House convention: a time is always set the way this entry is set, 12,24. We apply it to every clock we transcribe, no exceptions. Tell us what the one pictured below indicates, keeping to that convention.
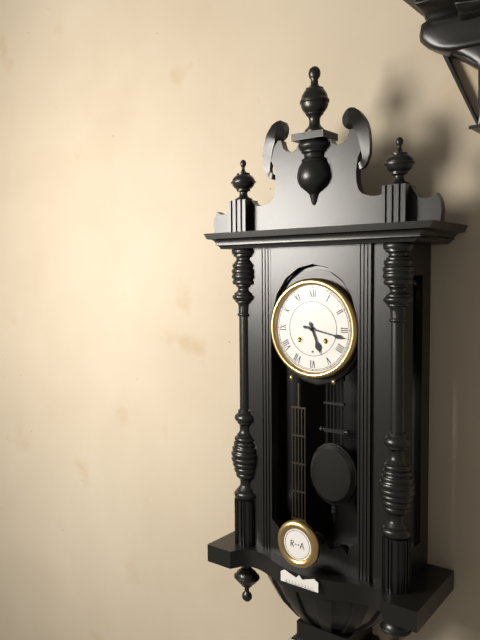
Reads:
5,17
